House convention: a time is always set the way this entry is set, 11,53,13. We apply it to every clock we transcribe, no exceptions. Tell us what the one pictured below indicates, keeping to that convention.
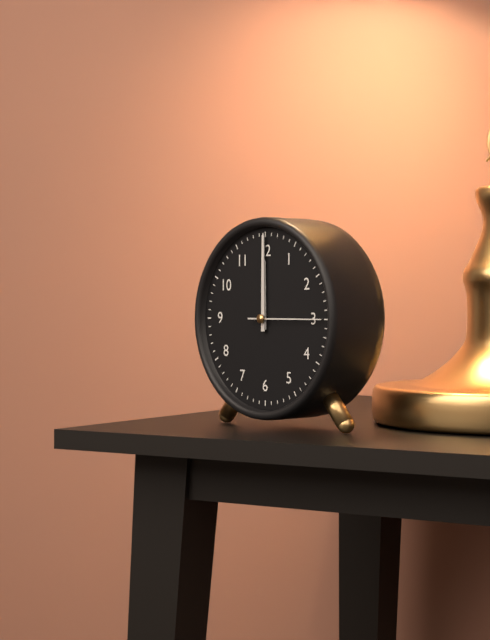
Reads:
12,00,15
